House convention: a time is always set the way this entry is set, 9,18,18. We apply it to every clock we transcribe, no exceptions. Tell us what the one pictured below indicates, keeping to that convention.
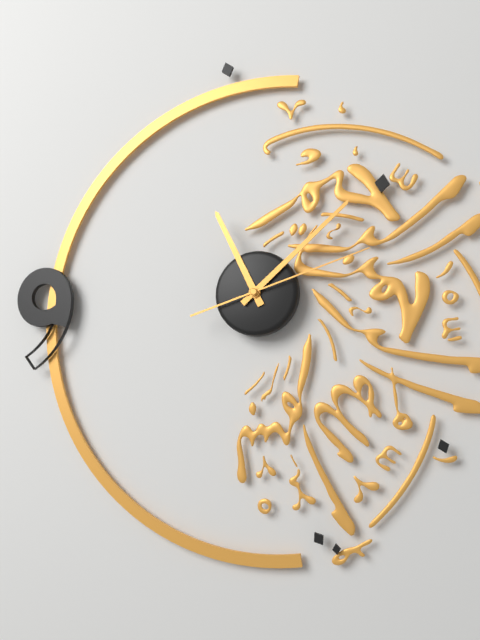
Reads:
11,08,12
